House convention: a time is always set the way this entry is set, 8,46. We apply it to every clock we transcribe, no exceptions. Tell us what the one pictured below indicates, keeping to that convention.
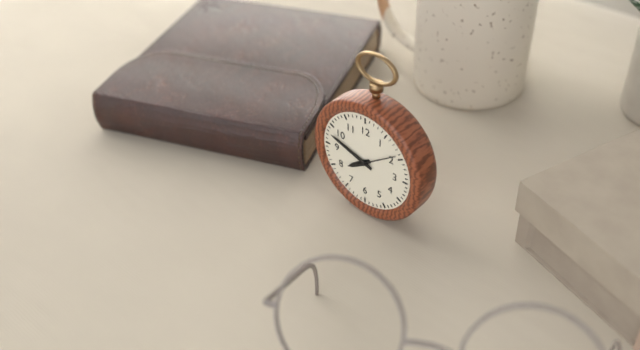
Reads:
7,48
